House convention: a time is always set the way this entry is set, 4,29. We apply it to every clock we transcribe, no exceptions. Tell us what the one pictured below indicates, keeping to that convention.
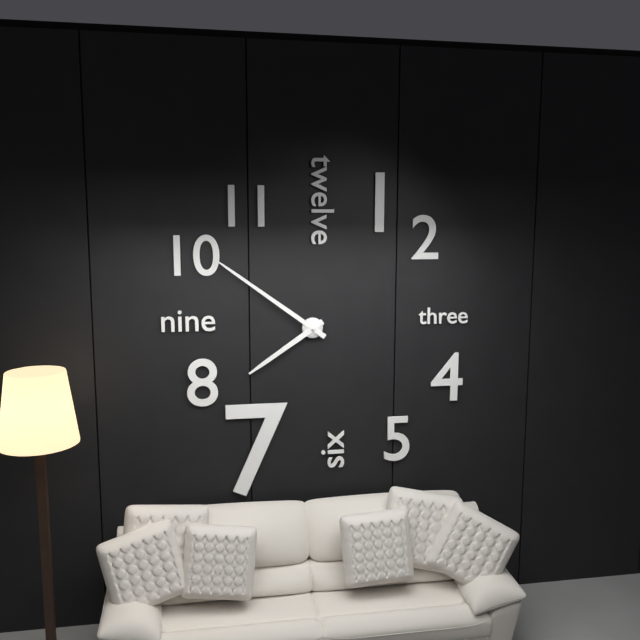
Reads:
7,51
